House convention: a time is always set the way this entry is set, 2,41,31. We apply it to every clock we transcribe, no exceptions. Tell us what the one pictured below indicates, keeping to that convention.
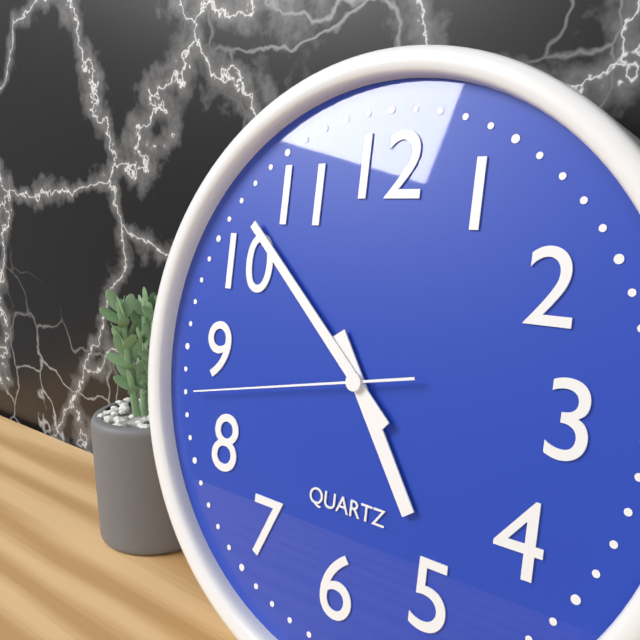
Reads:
4,52,43
